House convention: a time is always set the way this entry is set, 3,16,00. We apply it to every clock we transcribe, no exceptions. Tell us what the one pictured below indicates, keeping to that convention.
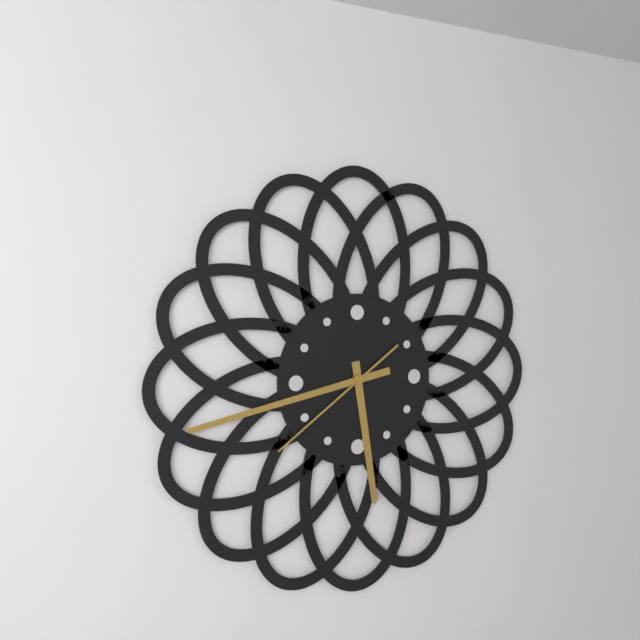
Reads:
5,43,39
